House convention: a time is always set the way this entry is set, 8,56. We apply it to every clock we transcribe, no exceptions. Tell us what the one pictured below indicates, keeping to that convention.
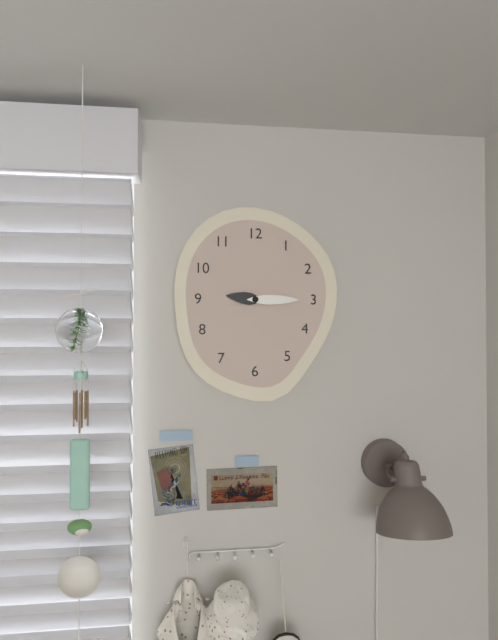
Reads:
9,15
